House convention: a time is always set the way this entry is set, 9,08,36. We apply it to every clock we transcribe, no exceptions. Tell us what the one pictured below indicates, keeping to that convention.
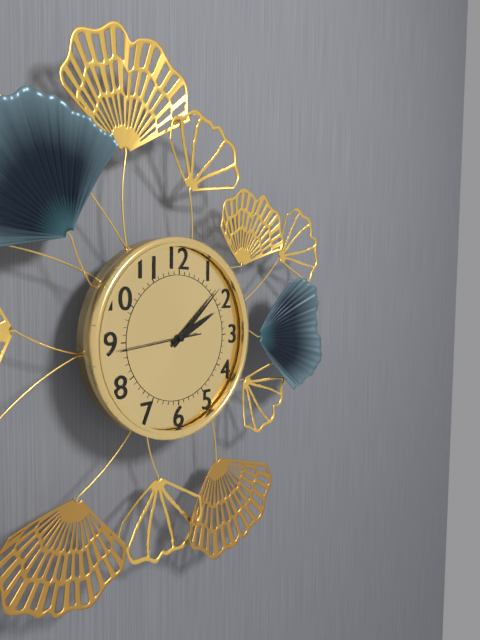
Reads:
2,08,44
